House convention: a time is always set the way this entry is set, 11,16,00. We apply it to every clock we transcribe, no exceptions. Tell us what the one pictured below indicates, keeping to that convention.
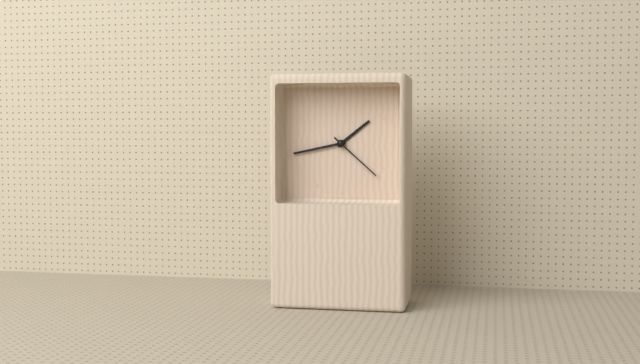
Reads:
1,43,22
